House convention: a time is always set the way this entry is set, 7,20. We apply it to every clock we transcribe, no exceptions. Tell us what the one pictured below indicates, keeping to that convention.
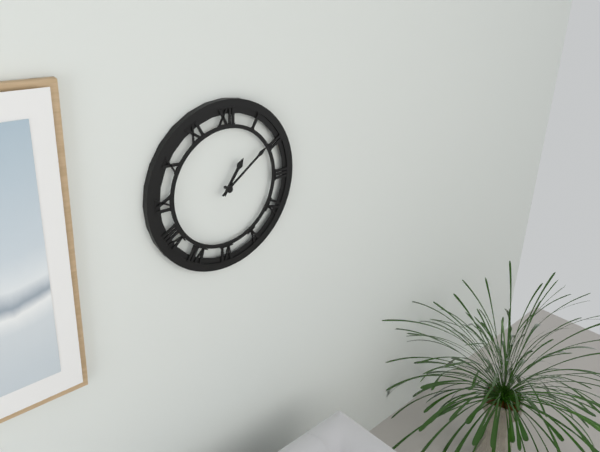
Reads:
1,09
